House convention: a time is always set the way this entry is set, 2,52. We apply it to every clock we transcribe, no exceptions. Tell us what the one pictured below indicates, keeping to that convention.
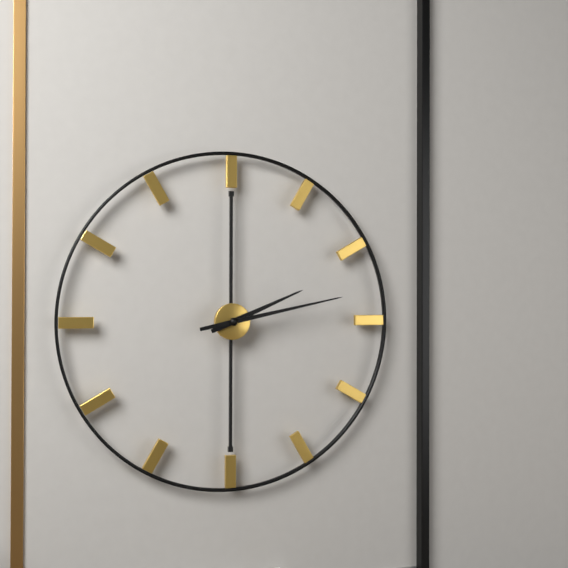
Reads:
2,13
